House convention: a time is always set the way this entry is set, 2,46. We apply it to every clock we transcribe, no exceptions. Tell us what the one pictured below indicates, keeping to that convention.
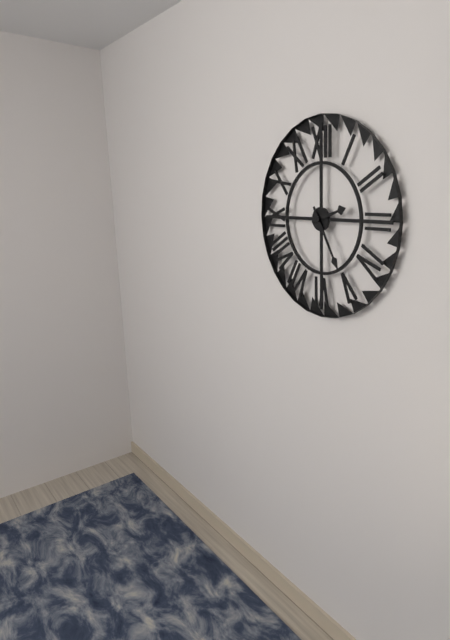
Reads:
2,25
